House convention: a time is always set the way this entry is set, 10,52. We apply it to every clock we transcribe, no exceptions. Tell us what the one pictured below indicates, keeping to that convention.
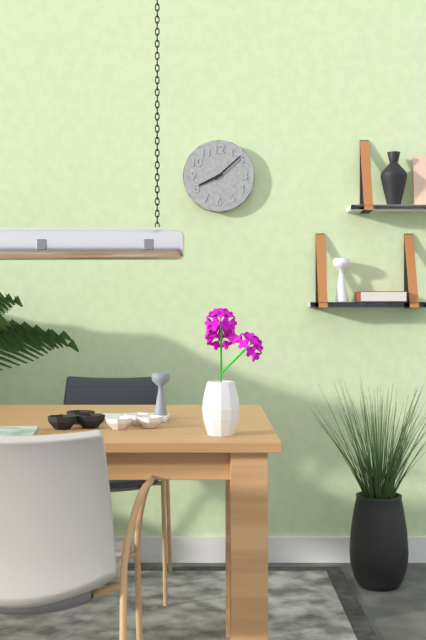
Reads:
8,08
